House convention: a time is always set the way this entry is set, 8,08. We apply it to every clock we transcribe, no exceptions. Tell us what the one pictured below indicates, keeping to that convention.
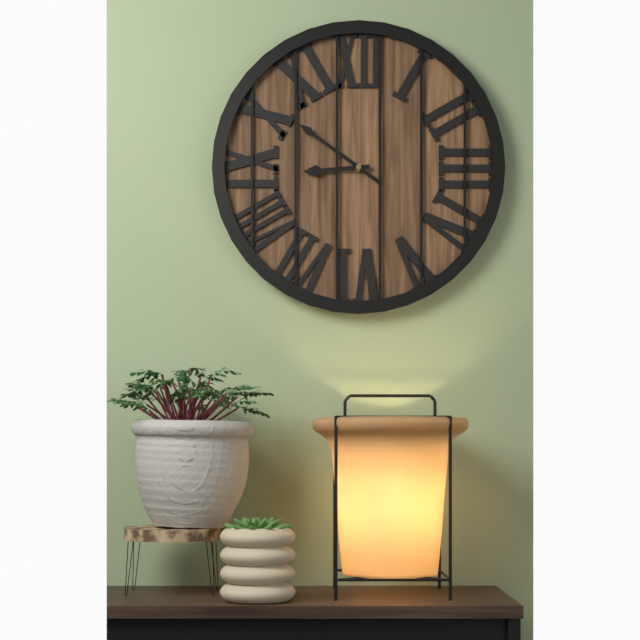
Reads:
8,51
